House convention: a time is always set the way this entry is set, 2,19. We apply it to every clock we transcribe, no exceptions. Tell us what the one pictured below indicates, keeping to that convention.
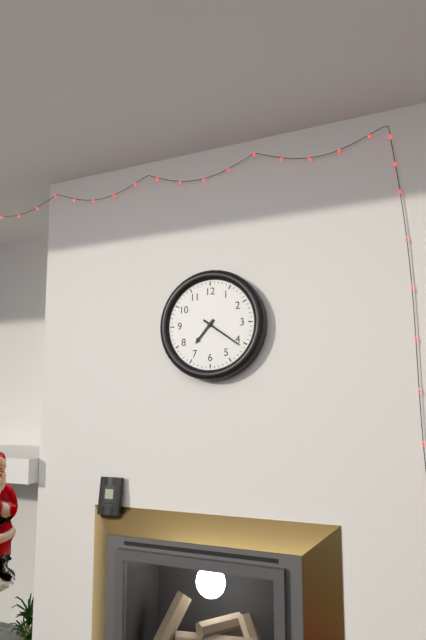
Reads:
7,21
